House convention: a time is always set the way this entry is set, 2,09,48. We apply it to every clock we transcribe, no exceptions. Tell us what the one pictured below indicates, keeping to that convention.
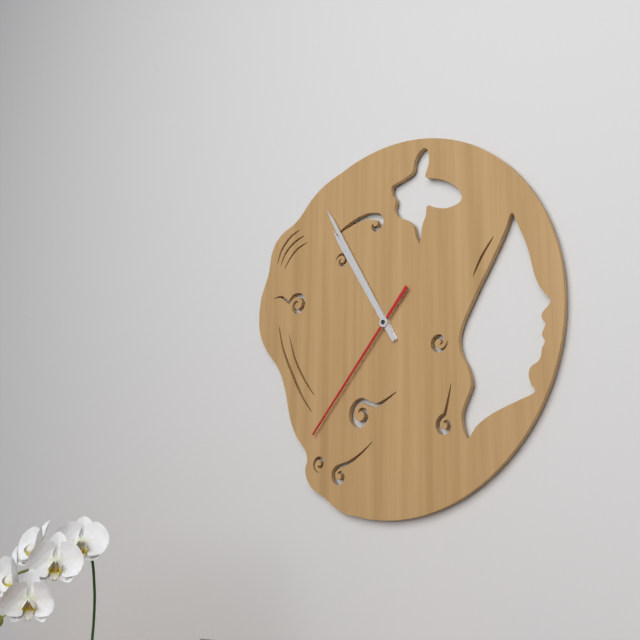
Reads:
10,55,37
